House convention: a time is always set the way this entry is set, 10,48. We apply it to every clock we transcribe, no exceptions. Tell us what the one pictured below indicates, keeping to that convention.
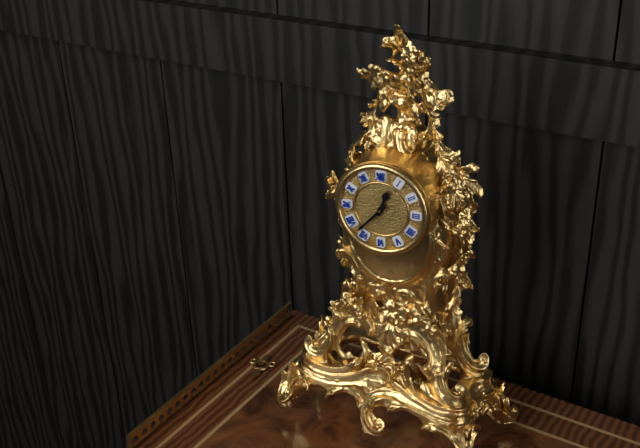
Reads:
12,37
